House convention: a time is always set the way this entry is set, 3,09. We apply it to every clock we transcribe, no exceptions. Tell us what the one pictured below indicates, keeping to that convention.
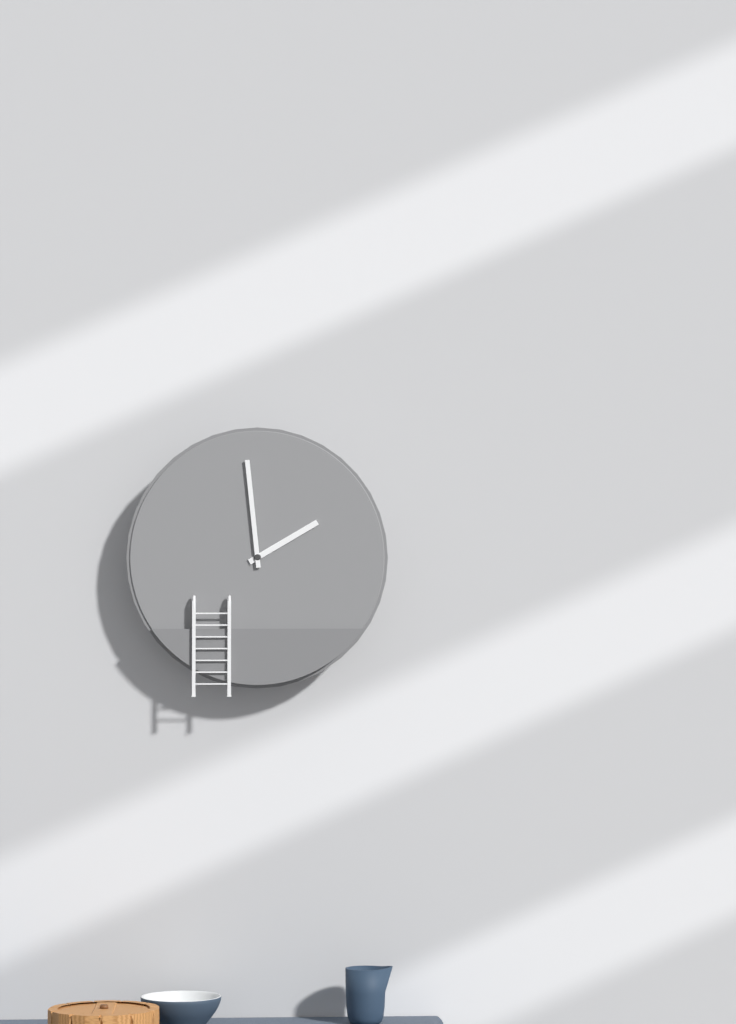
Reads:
1,59
